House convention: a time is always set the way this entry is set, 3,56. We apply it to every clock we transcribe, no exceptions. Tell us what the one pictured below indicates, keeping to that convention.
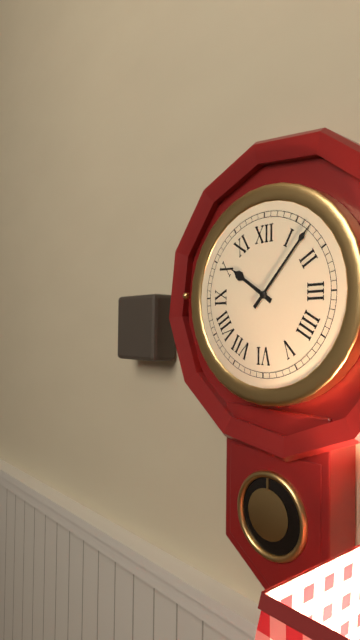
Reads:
10,07
